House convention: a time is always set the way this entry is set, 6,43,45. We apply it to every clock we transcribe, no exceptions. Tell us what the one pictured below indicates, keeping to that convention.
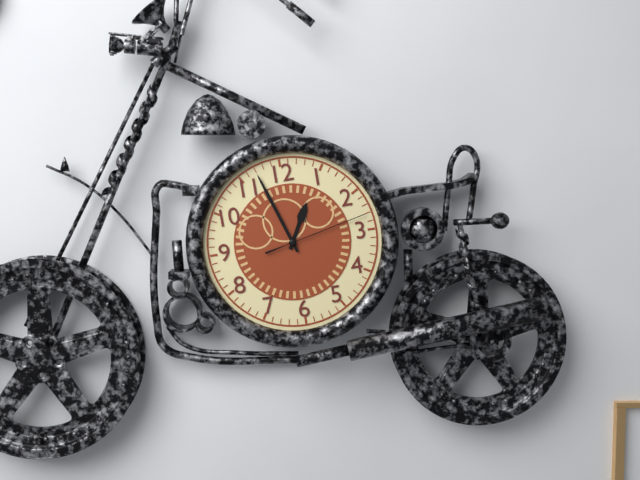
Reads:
12,57,13
